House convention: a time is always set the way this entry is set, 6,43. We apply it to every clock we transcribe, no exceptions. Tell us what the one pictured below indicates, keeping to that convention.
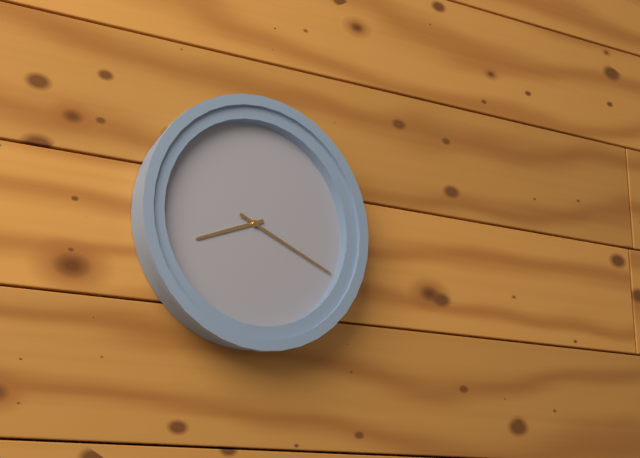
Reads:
8,19
